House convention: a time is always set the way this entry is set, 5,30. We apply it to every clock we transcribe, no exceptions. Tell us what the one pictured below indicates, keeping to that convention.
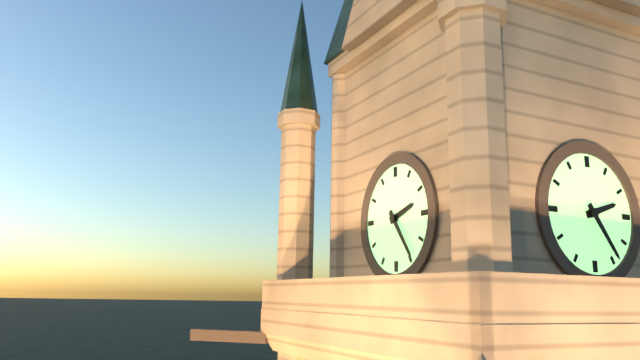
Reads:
2,24
